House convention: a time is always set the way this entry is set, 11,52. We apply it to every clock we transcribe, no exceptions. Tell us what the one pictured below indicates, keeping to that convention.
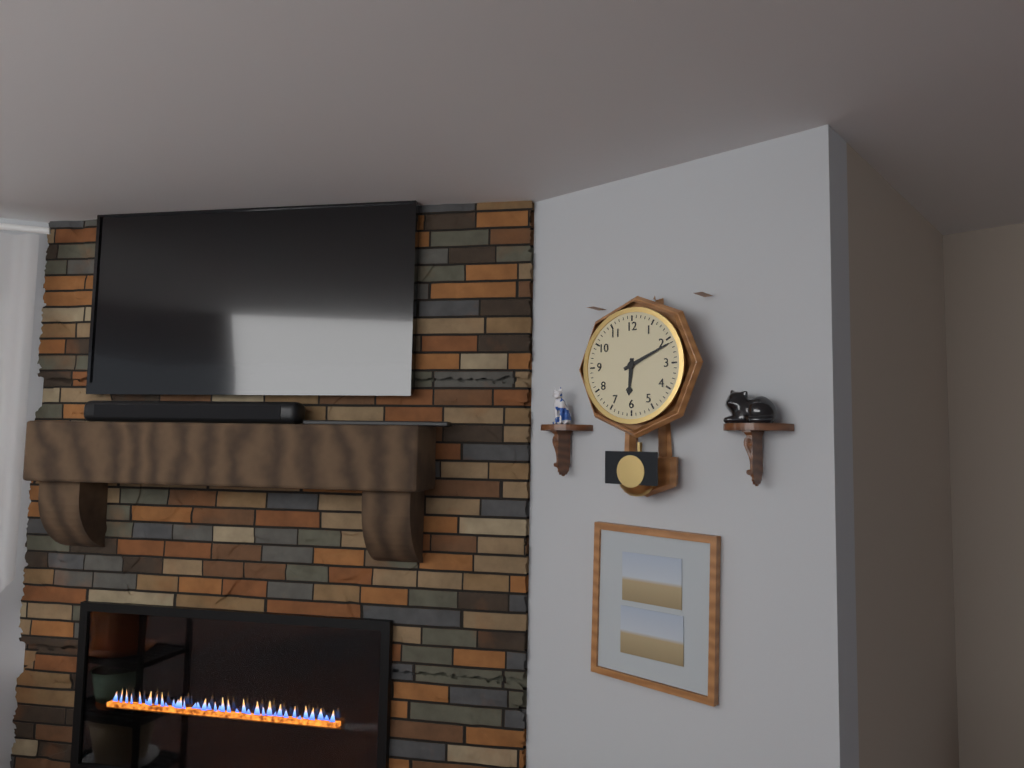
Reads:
6,11
